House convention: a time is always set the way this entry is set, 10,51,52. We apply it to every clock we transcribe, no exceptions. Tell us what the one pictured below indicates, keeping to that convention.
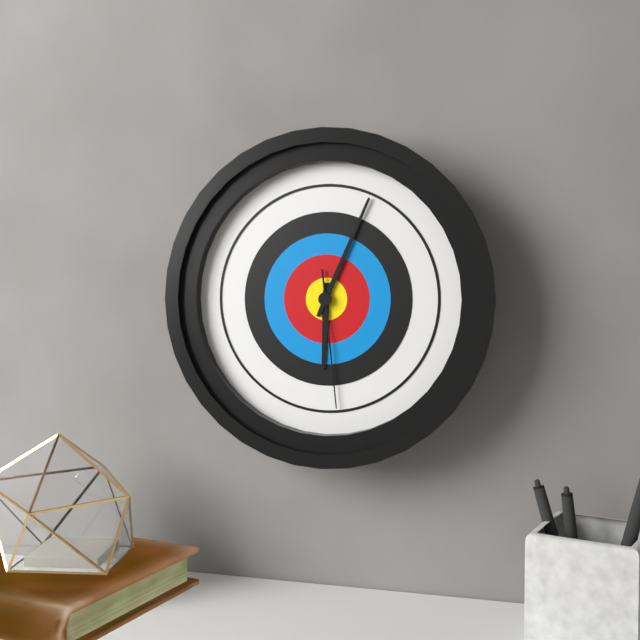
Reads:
6,04,29
